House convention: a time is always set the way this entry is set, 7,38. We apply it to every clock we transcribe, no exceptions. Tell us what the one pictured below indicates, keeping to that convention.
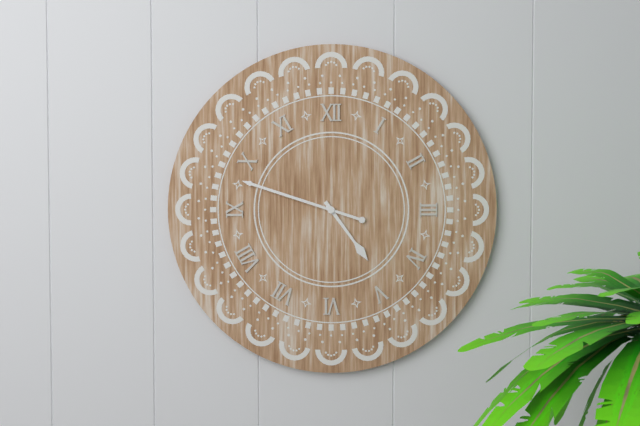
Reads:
4,48
